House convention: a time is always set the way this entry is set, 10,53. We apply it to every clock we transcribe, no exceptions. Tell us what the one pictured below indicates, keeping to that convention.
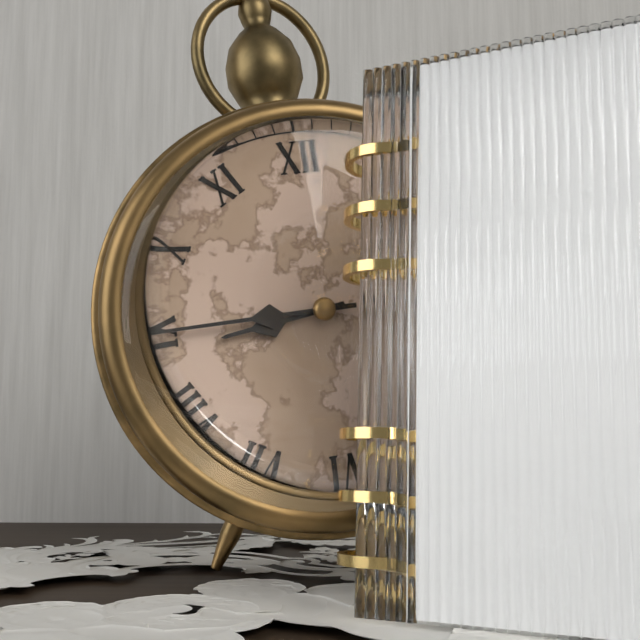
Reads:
8,45
